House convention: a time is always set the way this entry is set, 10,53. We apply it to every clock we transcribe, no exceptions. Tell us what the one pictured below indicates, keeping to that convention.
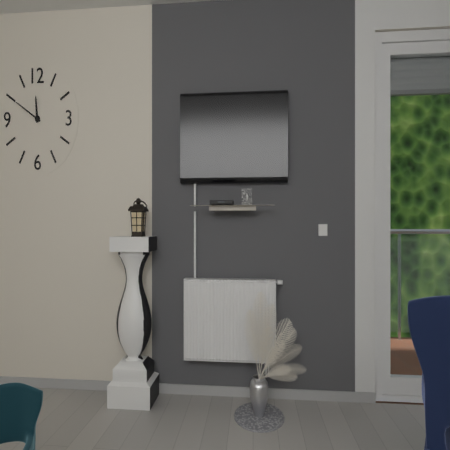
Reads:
11,50
